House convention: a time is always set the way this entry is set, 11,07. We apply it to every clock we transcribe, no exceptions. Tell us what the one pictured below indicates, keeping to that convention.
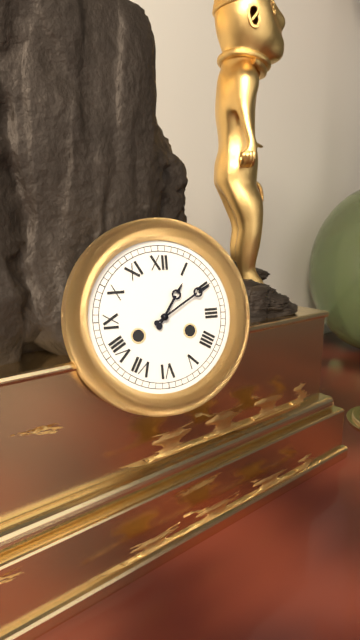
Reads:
1,10
